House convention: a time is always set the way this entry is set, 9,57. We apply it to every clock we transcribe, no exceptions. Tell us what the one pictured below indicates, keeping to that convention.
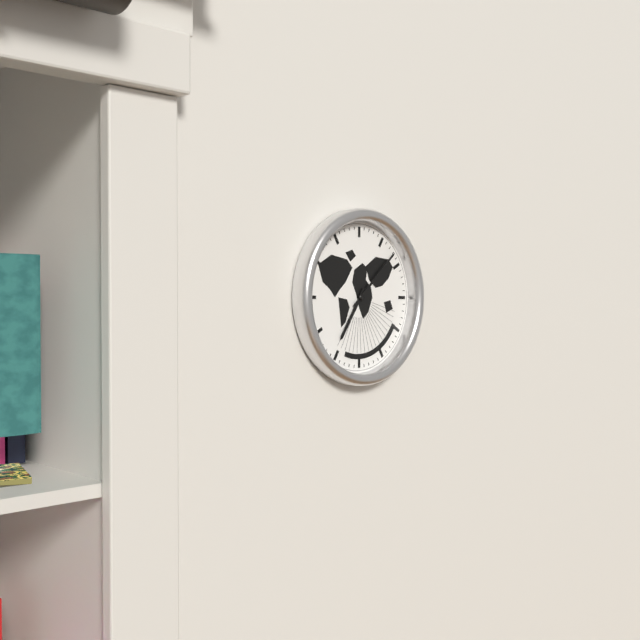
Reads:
7,08
